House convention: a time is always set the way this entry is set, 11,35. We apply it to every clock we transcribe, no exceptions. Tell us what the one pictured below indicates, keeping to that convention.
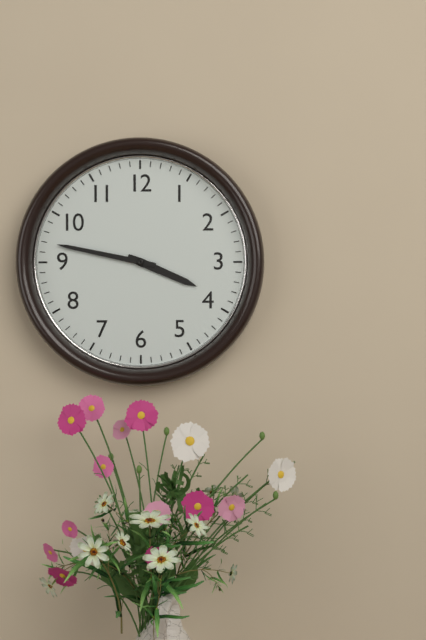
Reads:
3,47
